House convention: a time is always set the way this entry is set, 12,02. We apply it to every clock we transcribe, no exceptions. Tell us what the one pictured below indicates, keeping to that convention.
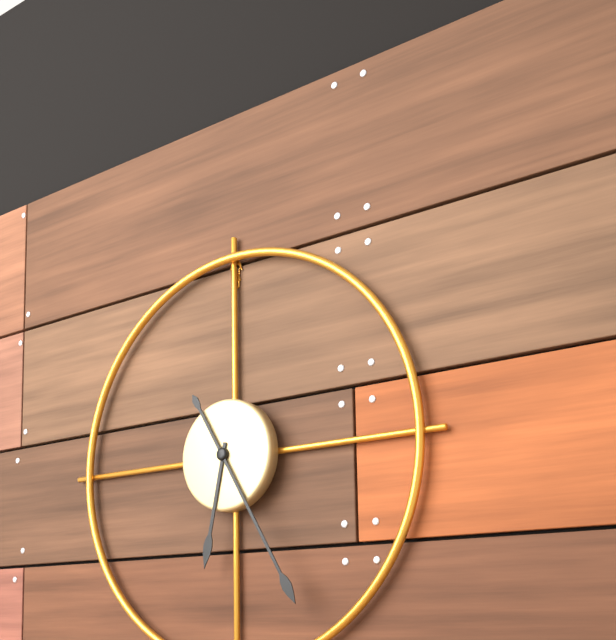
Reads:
6,25
